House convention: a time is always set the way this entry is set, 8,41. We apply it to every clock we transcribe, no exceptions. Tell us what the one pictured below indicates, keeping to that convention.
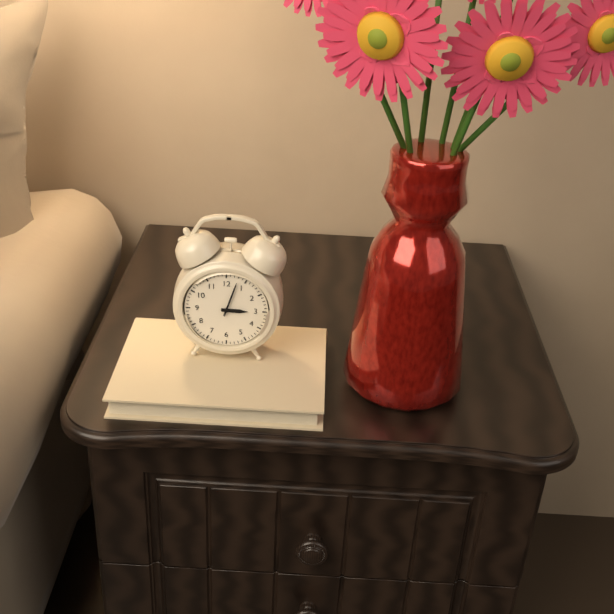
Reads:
3,03
